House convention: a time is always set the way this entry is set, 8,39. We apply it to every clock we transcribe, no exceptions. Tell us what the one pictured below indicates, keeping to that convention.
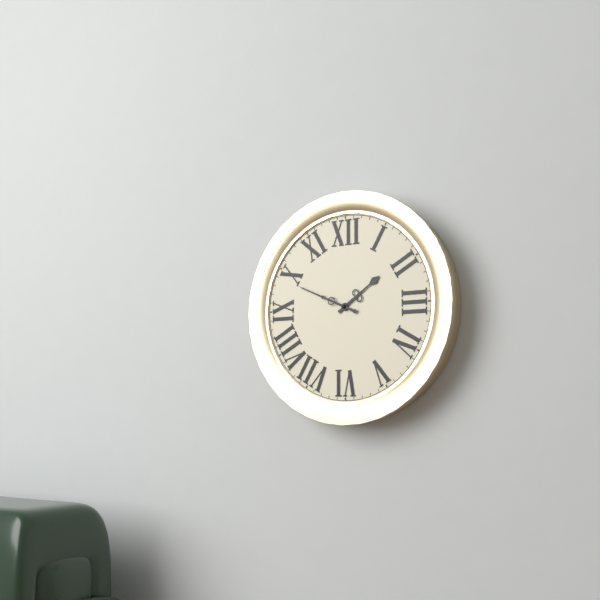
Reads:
1,49
